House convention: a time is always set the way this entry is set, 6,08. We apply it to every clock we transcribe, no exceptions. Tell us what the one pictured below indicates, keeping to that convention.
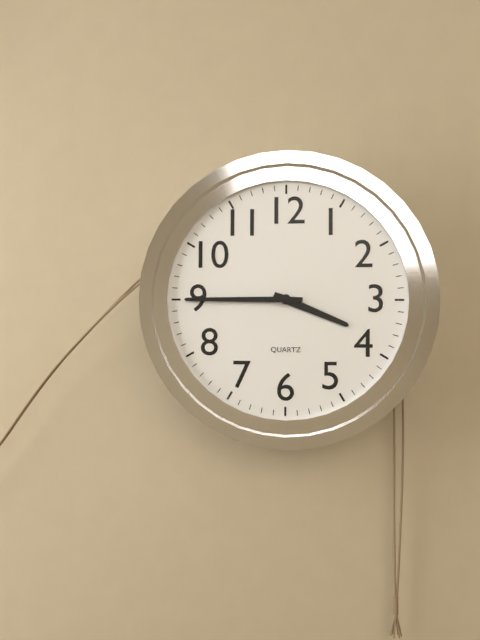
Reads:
3,45
